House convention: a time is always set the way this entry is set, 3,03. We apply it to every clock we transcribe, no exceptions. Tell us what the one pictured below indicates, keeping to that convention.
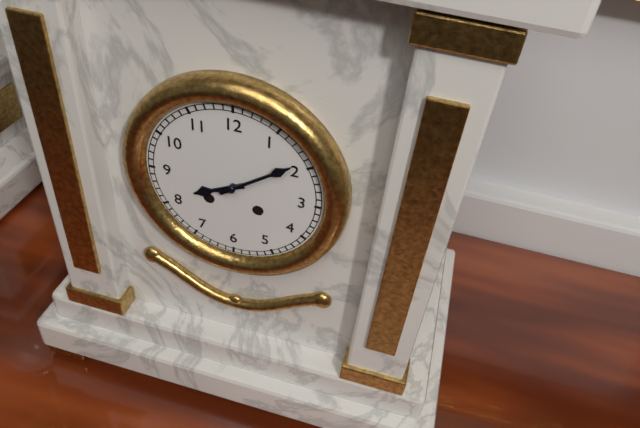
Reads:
8,09
